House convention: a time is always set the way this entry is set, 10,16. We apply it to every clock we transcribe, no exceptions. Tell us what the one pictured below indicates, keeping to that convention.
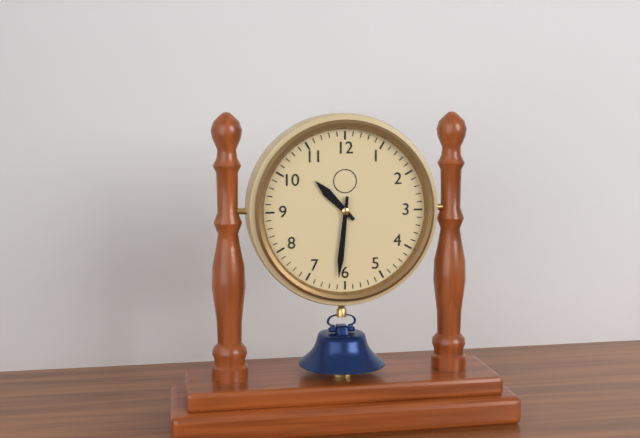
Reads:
10,31
